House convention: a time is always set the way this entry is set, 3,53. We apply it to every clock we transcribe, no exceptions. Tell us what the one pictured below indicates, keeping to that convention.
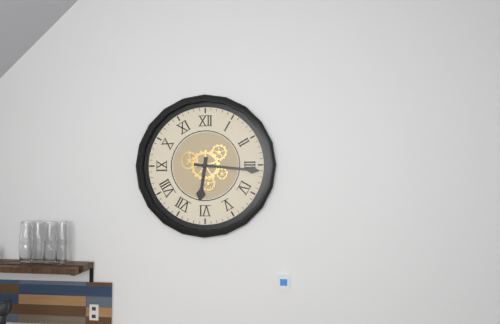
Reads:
6,16
